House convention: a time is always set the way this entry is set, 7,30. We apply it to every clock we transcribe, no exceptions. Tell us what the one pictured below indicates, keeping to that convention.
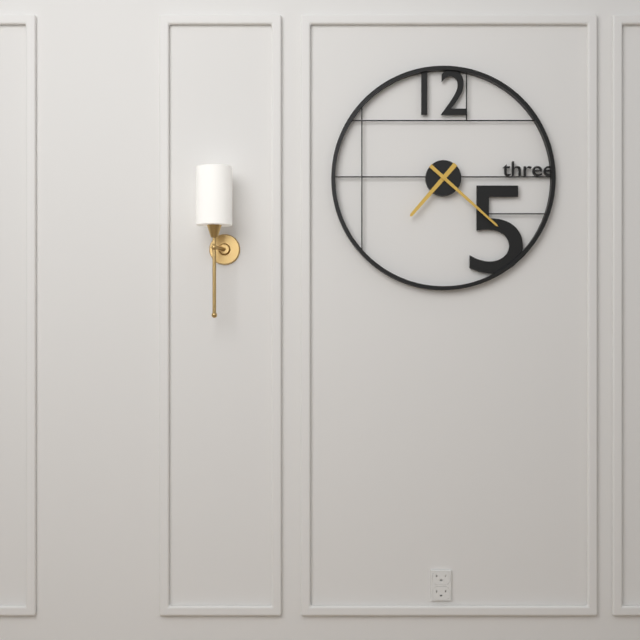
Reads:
7,22
